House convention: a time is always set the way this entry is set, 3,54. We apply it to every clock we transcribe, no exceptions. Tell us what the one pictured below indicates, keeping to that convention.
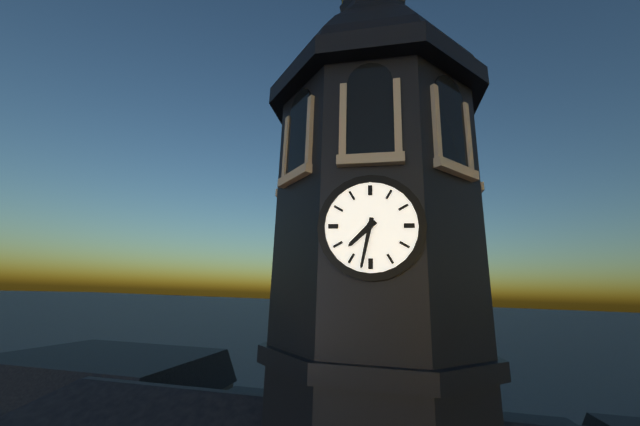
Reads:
7,32
